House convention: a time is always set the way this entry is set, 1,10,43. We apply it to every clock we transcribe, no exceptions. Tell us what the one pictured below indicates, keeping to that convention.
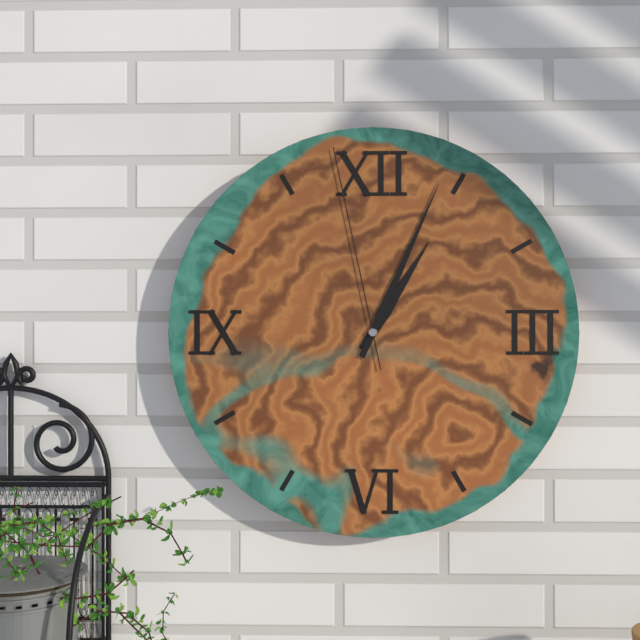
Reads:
1,04,58
